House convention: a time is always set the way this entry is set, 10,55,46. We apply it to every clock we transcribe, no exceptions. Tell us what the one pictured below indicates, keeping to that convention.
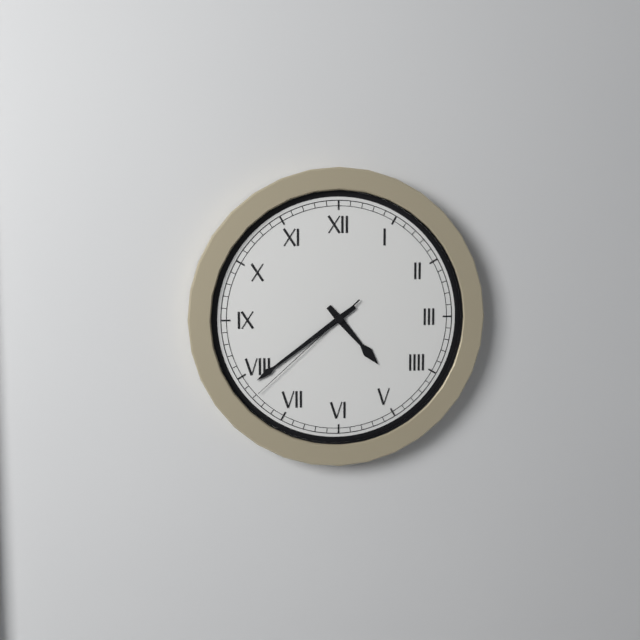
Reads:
4,39,38
